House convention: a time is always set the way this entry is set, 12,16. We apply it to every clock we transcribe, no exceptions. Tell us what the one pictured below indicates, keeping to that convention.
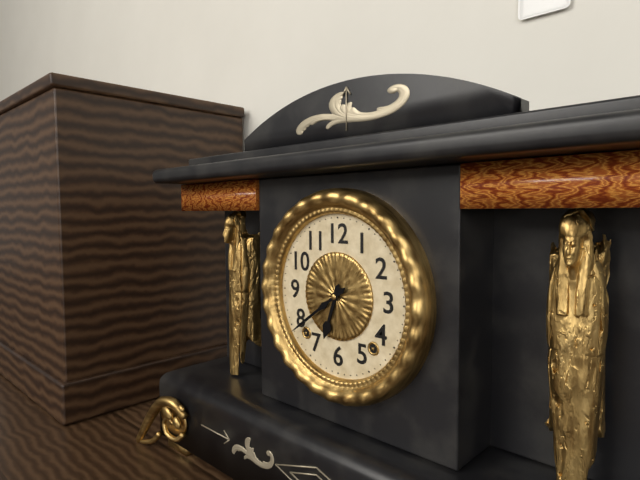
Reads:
6,39
